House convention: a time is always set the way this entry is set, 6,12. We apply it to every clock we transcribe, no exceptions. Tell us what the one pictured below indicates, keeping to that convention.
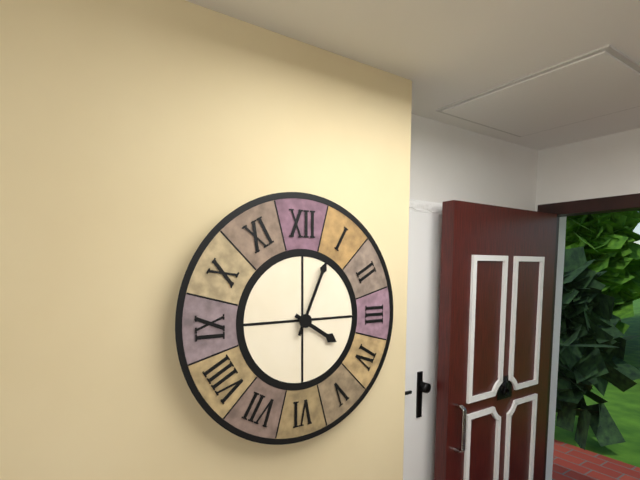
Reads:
4,04
